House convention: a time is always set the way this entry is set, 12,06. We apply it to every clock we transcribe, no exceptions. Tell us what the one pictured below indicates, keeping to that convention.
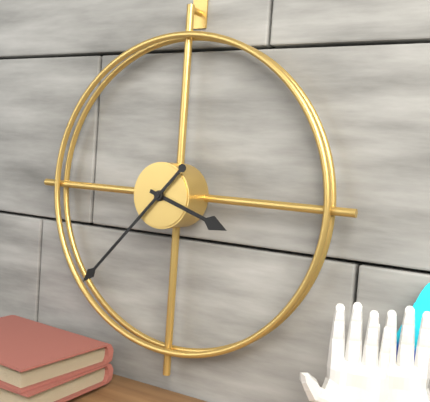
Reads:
3,37
